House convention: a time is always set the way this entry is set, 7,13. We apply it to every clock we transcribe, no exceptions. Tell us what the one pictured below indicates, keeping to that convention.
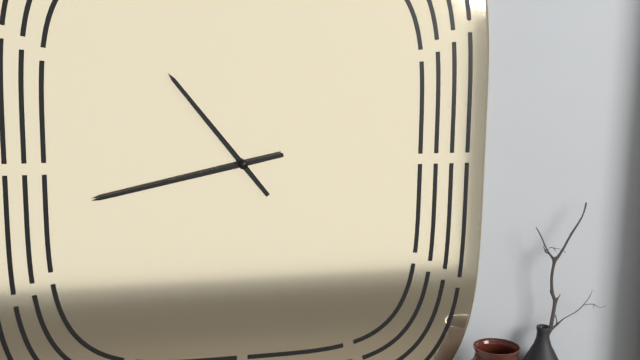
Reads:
10,43
